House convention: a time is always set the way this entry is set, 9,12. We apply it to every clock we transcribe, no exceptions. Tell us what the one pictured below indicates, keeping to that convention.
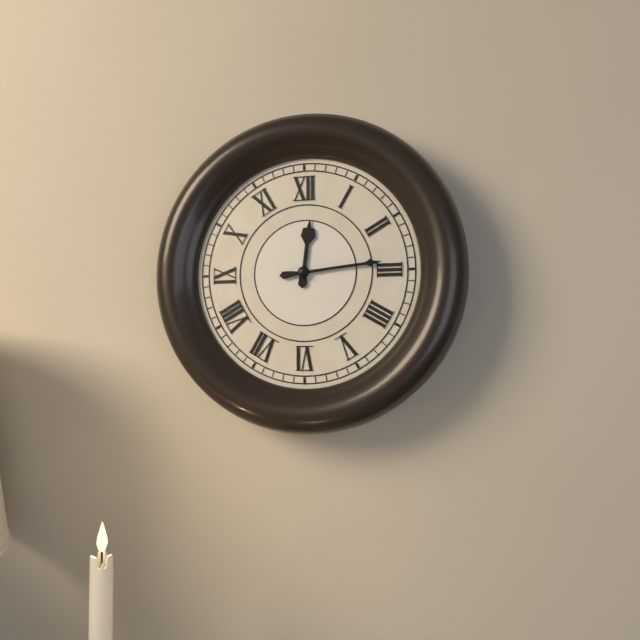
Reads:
12,14
